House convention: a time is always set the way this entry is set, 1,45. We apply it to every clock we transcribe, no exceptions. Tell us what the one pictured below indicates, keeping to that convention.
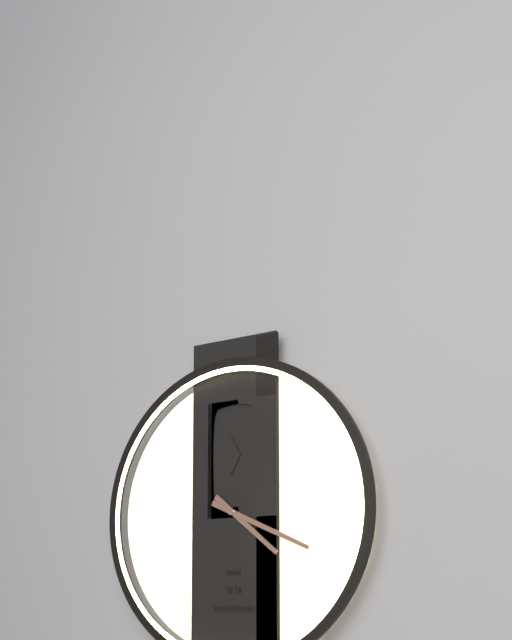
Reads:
4,19
